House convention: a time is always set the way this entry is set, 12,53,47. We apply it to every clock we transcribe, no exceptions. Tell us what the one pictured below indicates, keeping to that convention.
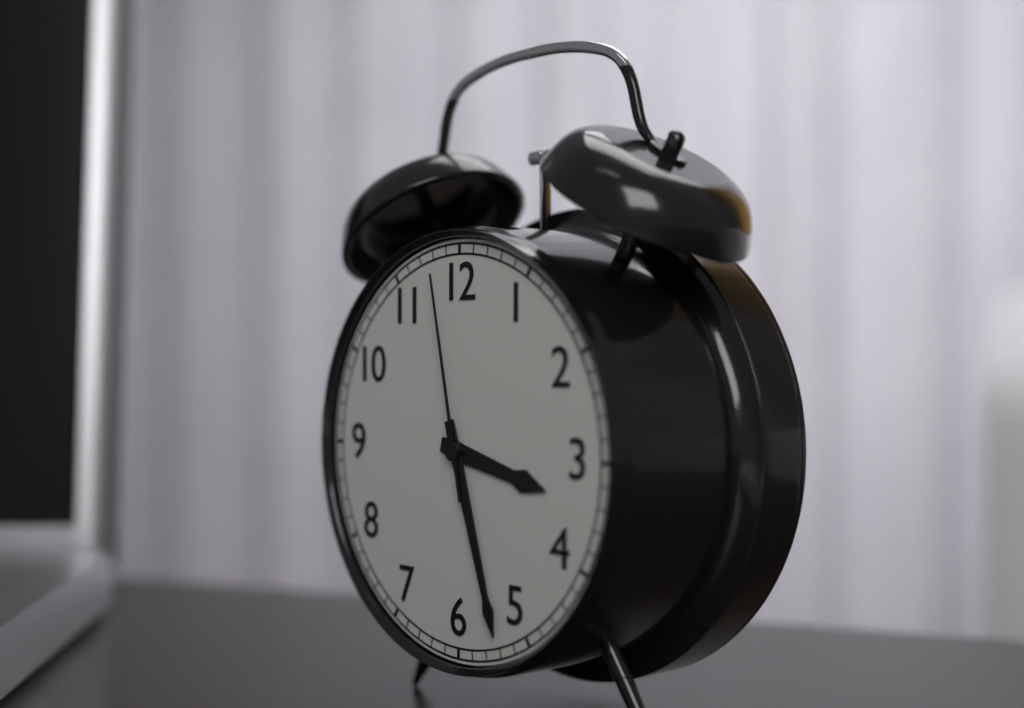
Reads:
3,27,58
